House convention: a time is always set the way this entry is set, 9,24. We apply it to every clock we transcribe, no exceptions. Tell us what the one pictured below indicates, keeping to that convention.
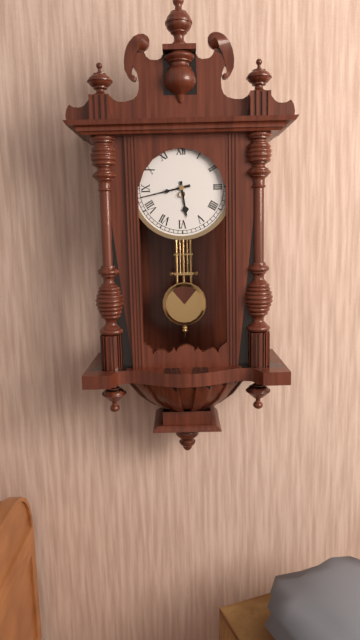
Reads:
5,43
